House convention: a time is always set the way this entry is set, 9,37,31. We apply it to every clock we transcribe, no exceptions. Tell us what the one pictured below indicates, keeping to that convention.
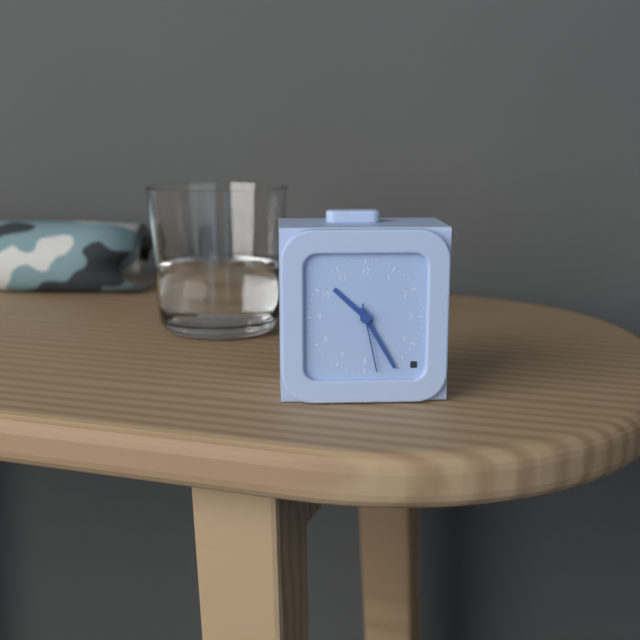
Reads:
10,25,28
